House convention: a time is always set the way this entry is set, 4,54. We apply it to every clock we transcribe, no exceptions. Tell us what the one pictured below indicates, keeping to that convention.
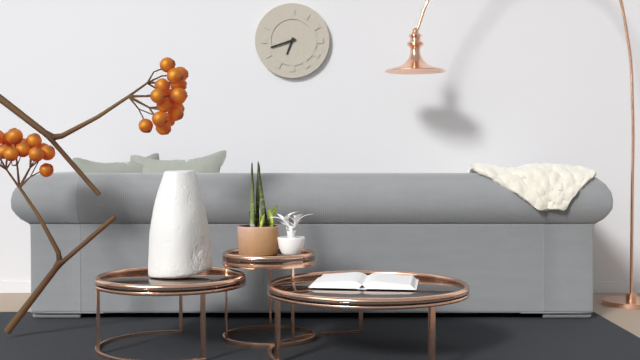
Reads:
6,42
